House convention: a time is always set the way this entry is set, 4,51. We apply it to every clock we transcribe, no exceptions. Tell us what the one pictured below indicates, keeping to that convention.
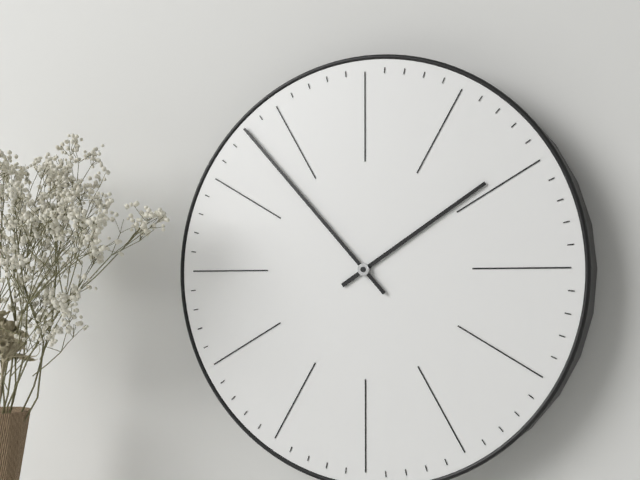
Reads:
1,53
